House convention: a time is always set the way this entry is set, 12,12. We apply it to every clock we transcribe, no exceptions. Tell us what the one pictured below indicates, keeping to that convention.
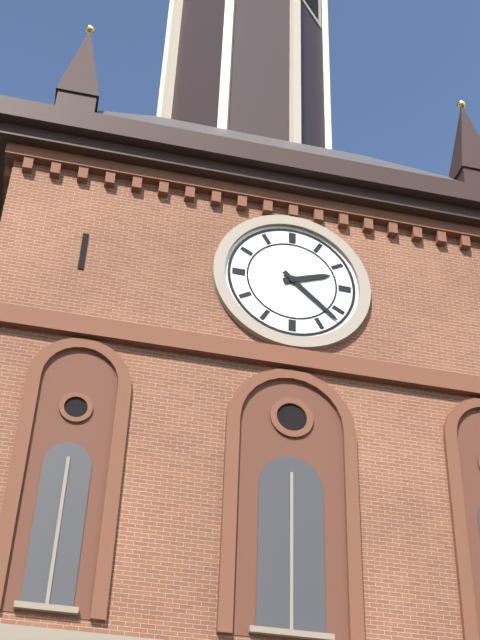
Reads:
2,22
